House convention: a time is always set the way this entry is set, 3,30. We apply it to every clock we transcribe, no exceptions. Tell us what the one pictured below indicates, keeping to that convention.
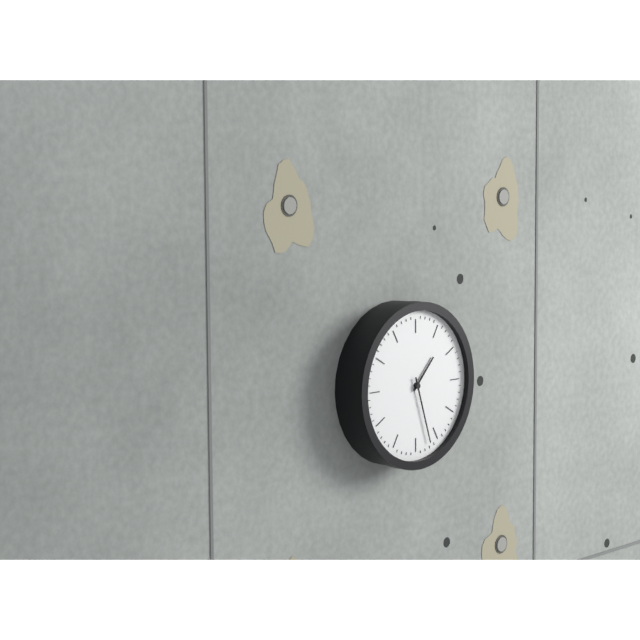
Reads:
1,27
